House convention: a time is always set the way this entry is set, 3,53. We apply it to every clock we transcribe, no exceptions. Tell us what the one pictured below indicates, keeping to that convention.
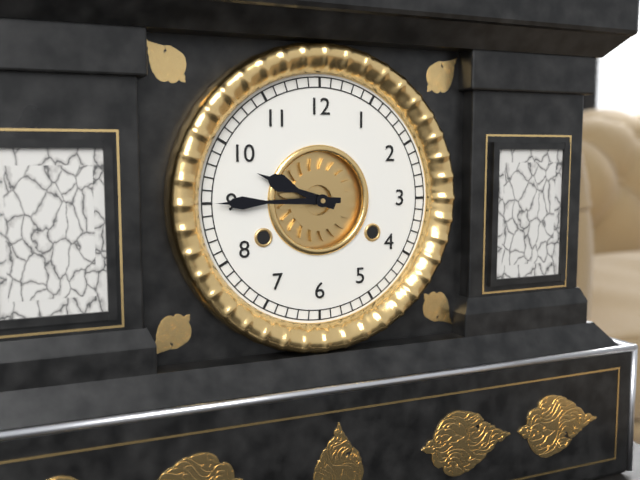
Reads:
9,45
